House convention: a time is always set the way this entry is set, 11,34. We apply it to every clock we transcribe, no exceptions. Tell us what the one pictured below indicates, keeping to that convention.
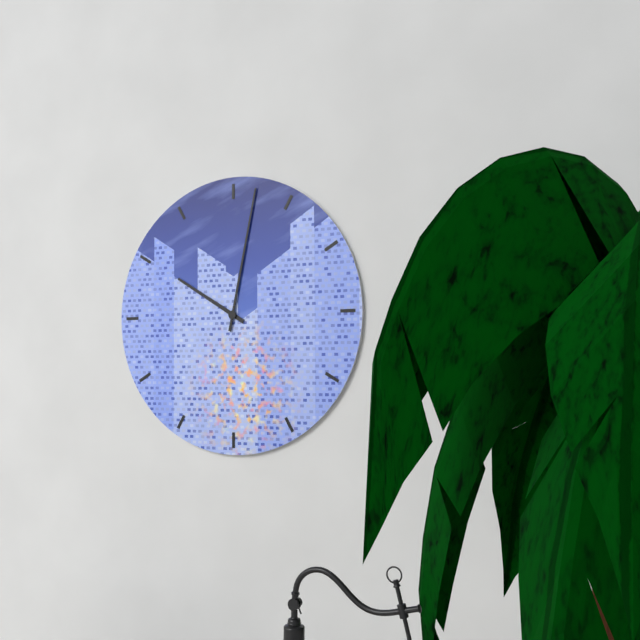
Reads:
10,02
